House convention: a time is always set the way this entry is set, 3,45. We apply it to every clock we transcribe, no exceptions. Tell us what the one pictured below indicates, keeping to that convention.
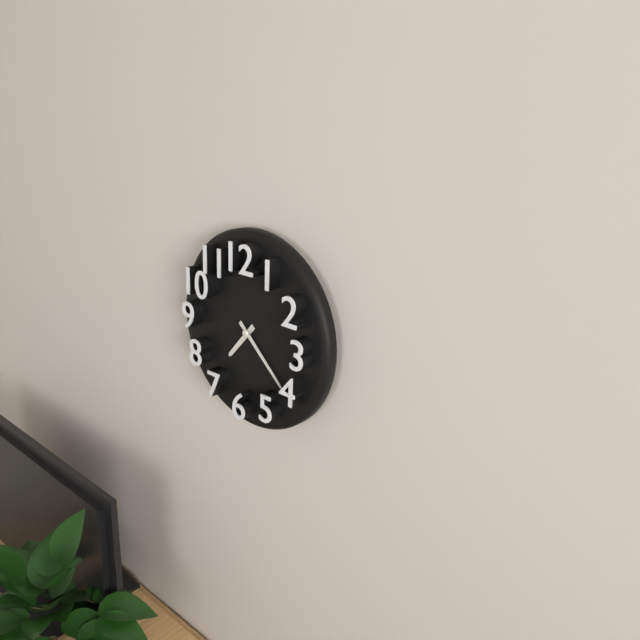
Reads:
7,22
